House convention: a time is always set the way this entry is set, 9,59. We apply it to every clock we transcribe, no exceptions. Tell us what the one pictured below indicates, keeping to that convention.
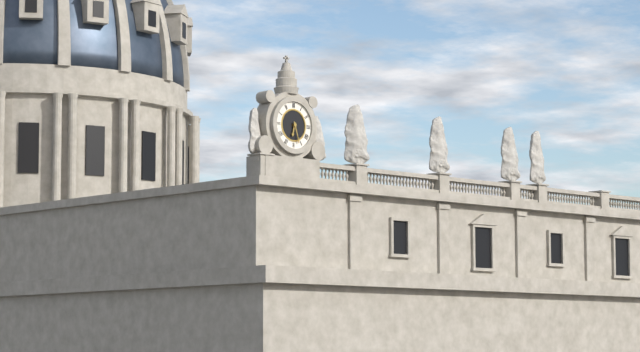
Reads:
6,27
